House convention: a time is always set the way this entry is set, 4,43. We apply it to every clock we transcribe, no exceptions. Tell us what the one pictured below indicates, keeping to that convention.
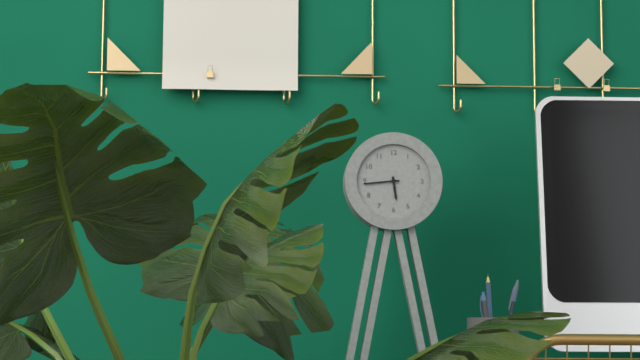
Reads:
5,44
